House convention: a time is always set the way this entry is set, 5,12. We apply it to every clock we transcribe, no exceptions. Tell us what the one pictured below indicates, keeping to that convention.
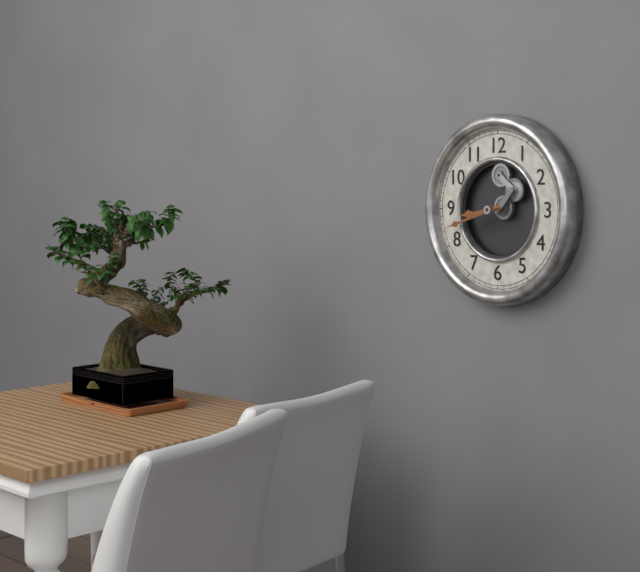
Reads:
8,42
